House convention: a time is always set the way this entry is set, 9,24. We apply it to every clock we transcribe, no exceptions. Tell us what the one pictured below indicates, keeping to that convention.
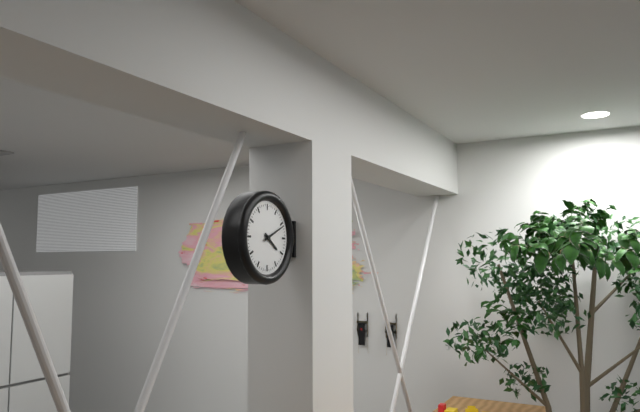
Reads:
4,11
